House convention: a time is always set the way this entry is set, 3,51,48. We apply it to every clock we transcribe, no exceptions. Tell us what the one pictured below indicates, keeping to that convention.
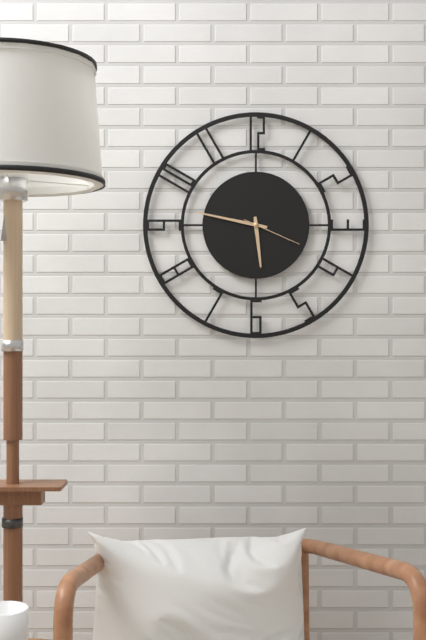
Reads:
5,47,19
